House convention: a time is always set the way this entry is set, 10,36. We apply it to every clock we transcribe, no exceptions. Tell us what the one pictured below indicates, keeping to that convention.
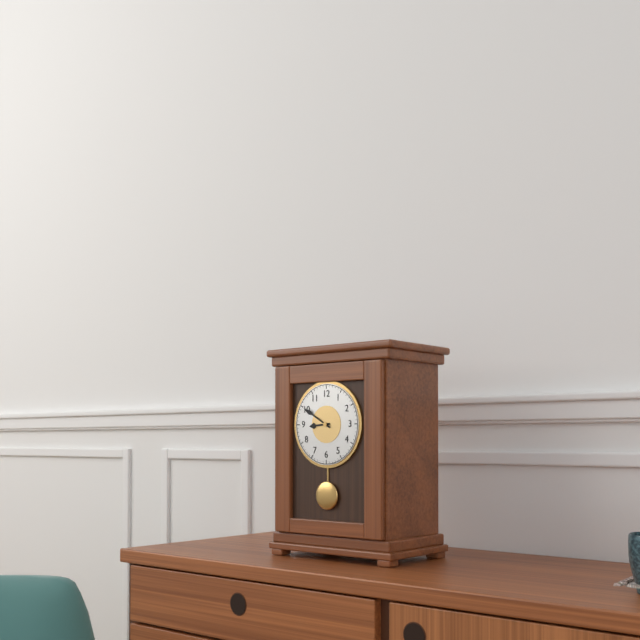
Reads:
8,50
